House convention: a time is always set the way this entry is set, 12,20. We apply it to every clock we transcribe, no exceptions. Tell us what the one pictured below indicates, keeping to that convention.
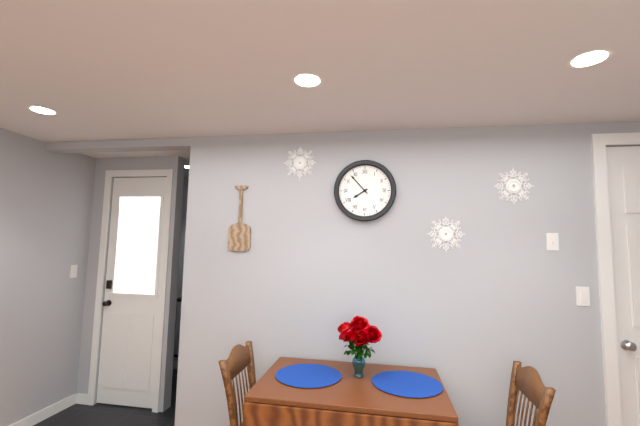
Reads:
7,53
